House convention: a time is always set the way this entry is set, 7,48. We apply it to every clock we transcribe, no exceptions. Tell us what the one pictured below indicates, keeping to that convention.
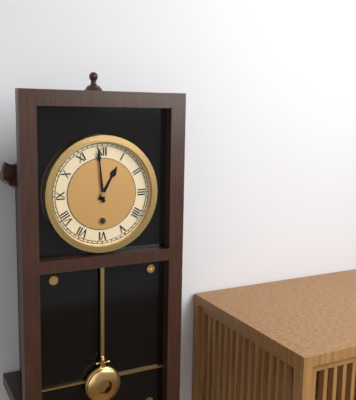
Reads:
12,59
